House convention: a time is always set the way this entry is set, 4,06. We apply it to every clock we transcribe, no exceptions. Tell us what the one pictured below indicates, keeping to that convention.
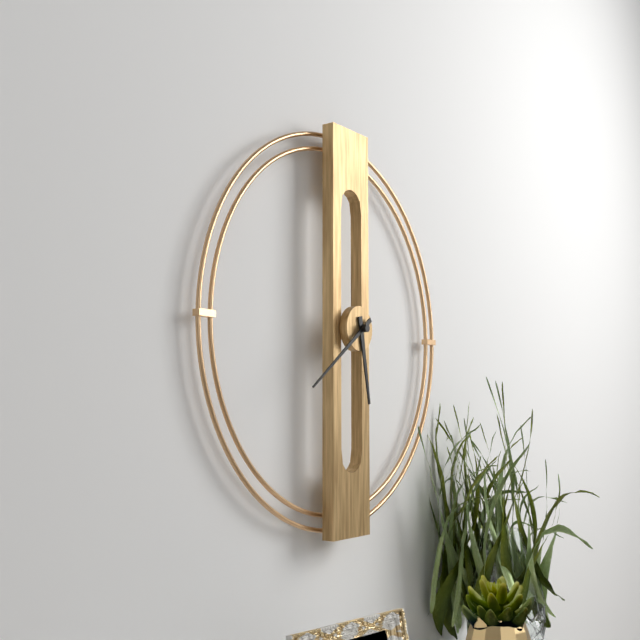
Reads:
5,39
